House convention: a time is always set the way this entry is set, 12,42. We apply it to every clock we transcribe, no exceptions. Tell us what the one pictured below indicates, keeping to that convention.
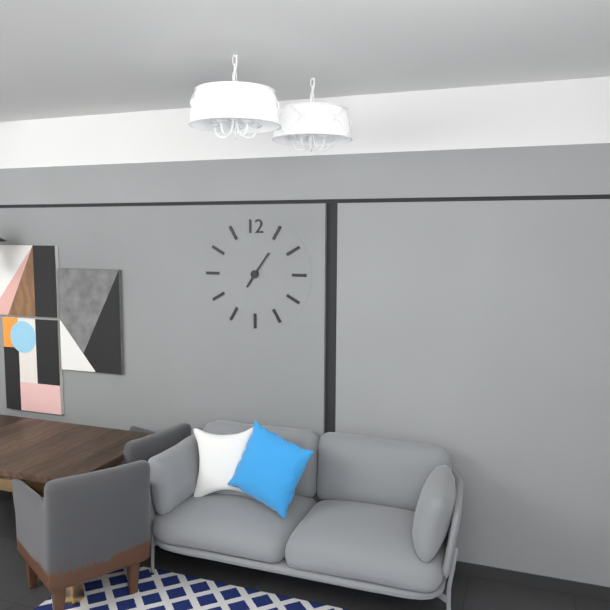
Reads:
7,06
